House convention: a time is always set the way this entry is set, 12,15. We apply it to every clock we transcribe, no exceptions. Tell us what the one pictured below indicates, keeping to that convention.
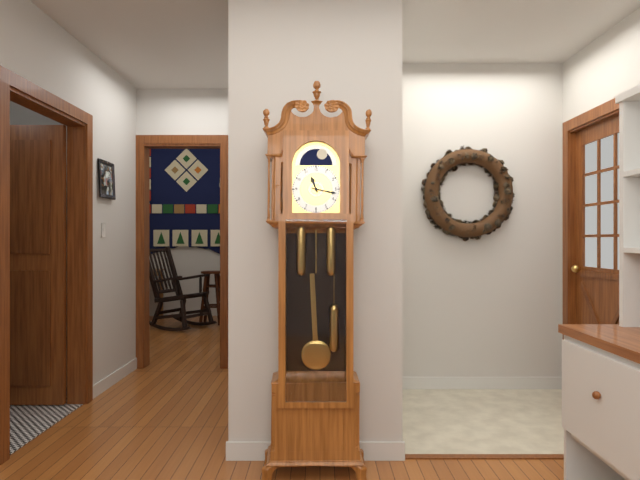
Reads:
11,17
